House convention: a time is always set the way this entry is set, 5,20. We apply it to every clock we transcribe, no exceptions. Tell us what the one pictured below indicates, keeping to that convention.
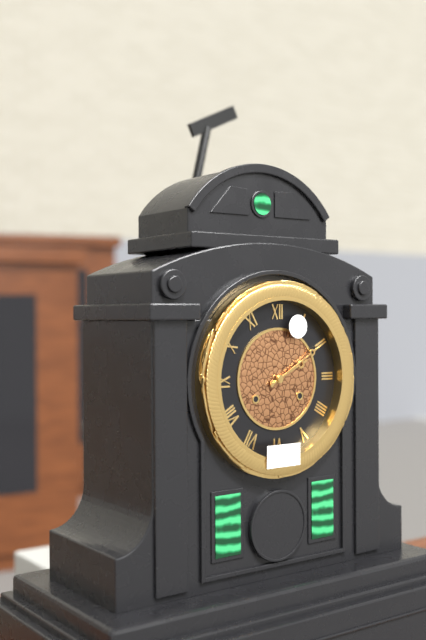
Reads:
2,10
